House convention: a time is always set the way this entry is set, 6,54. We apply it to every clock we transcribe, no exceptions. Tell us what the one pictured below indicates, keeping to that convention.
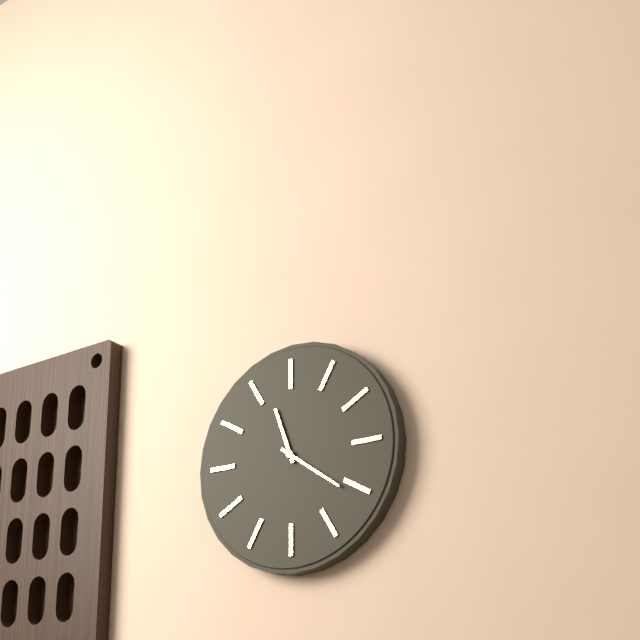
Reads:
11,21
